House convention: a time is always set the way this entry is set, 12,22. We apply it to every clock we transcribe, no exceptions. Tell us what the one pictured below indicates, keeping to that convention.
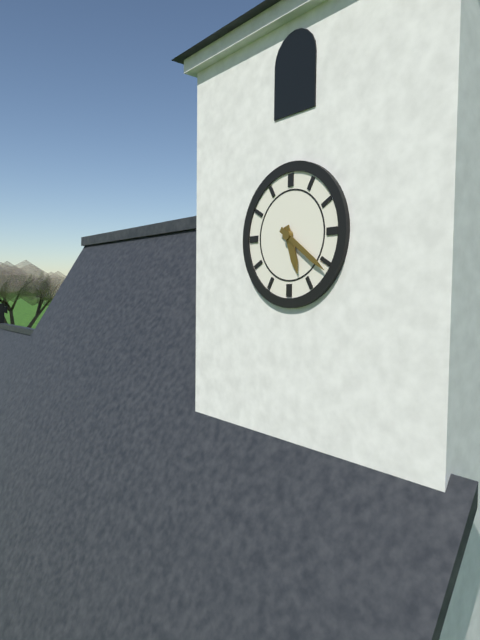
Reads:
5,21
